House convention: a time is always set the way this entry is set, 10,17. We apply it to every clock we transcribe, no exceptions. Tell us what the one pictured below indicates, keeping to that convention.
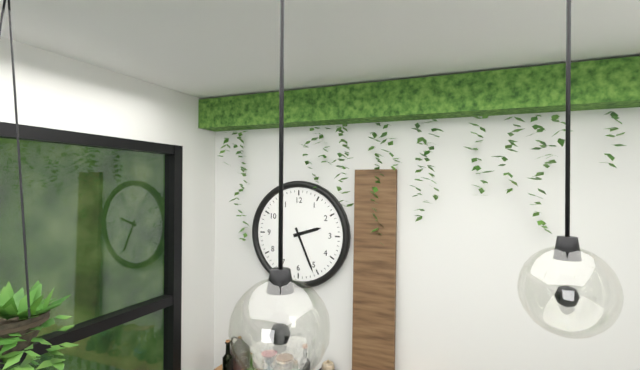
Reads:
2,26
